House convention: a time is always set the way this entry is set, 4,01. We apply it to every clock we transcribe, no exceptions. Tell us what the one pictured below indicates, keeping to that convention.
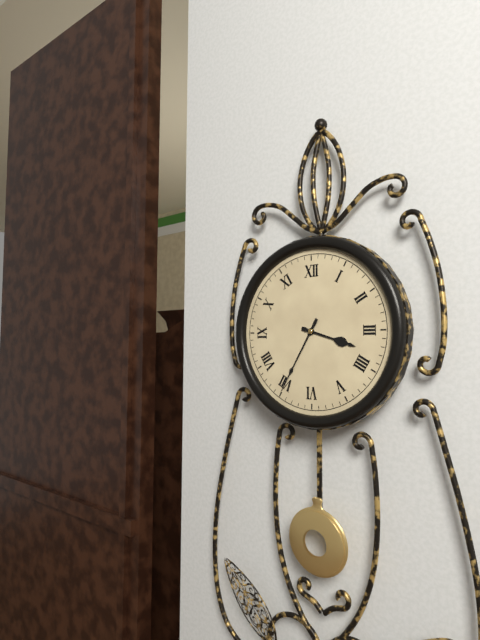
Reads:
3,35
